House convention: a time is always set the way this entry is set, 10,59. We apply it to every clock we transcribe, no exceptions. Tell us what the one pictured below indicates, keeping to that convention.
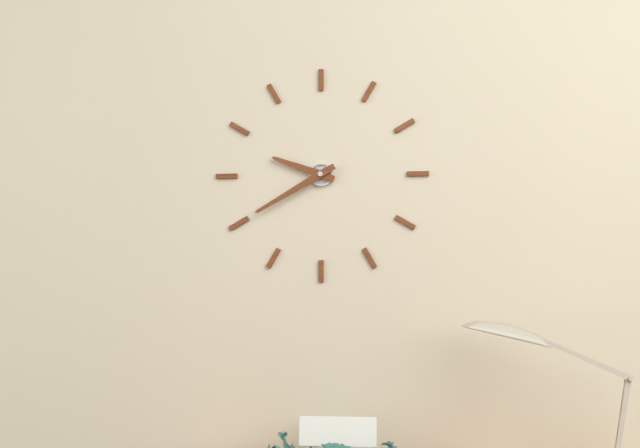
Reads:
9,40
